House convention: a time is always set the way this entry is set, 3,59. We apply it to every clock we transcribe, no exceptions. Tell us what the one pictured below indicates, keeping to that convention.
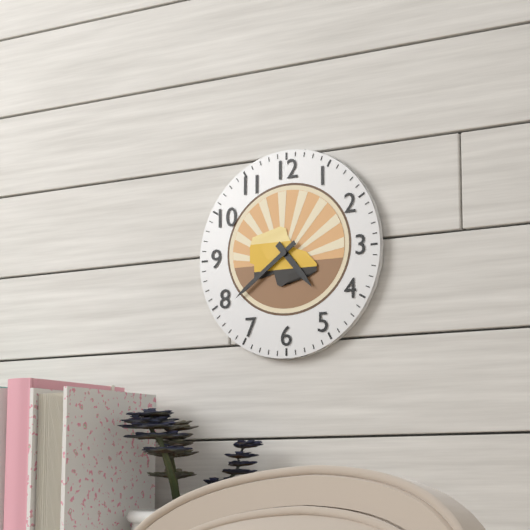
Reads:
4,39
